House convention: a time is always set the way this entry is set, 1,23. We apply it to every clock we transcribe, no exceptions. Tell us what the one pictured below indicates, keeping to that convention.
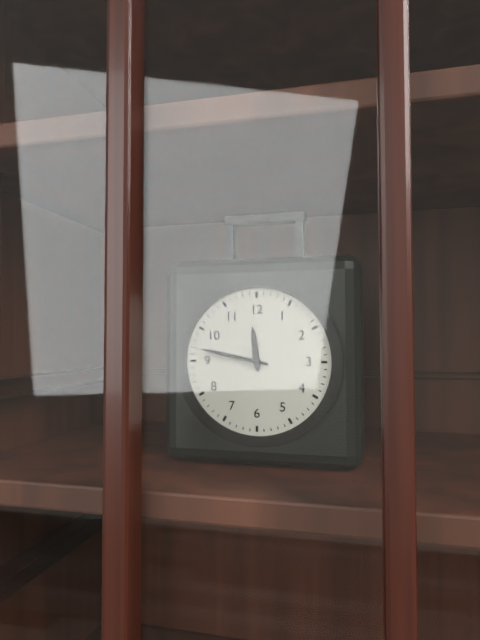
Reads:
11,47
